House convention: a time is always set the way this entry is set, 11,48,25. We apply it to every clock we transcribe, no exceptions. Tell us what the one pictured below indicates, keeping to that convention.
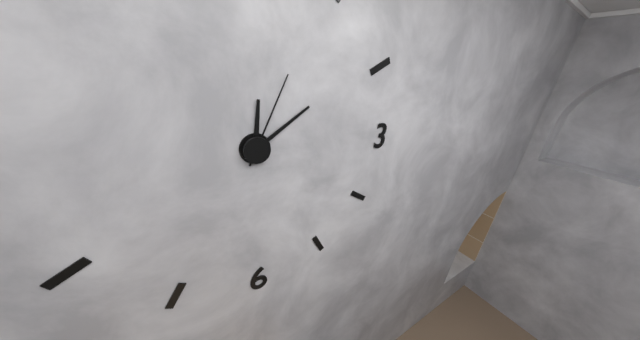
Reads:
12,09,04
